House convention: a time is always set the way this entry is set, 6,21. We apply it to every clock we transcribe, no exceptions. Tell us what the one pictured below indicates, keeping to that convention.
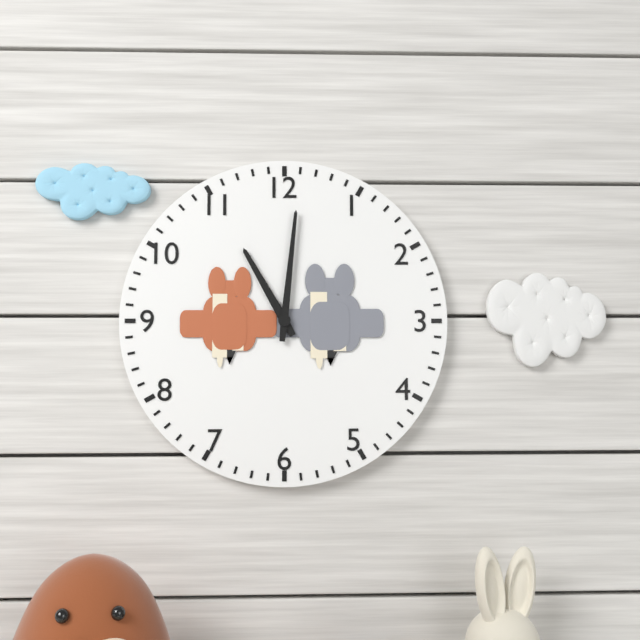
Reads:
11,01
